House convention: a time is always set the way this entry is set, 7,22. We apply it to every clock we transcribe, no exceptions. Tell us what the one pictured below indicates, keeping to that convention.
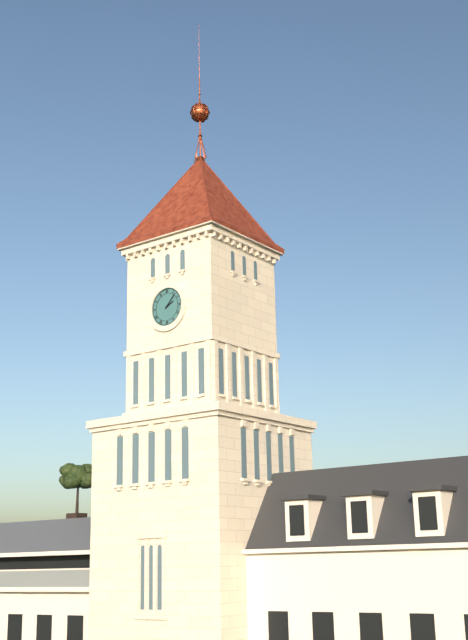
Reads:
2,07
